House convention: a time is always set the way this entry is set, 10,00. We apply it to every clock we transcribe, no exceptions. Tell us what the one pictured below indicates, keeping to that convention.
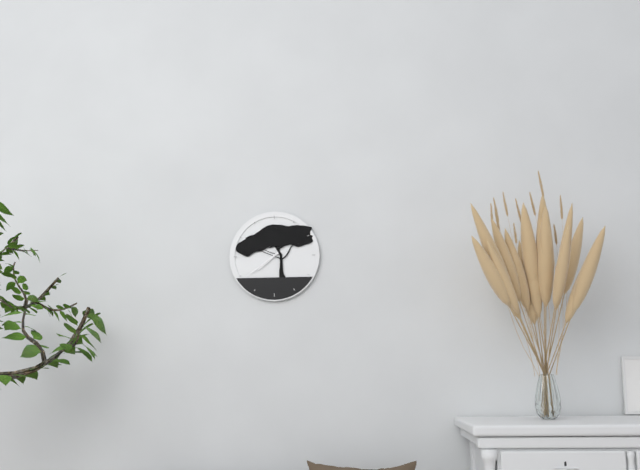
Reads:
7,39
